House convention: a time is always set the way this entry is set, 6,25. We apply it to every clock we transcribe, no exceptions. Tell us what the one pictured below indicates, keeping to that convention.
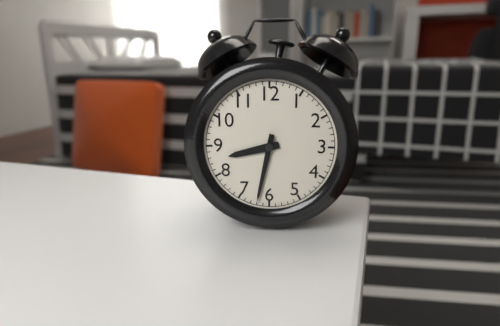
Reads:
8,32
